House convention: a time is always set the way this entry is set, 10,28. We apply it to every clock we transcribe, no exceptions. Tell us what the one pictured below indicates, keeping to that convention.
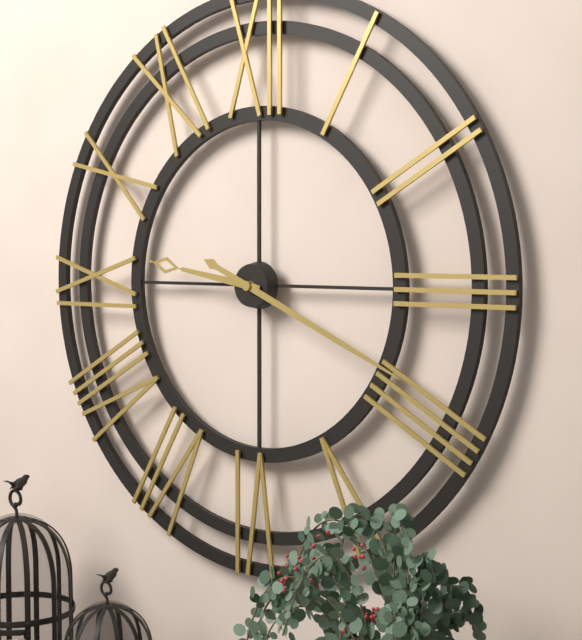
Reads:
9,19
